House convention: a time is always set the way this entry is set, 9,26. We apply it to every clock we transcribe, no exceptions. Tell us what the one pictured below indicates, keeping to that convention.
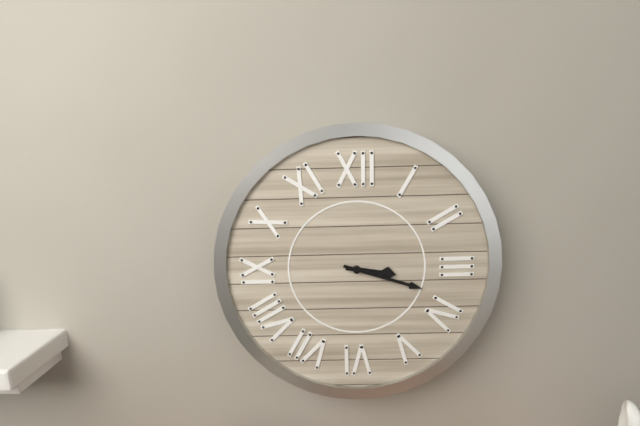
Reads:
3,18
